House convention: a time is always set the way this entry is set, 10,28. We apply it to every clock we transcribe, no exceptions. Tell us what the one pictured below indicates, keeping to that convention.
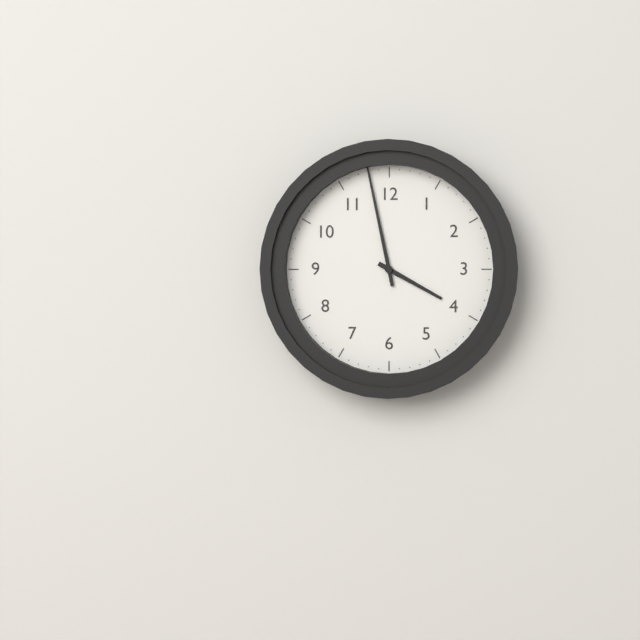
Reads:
3,58
